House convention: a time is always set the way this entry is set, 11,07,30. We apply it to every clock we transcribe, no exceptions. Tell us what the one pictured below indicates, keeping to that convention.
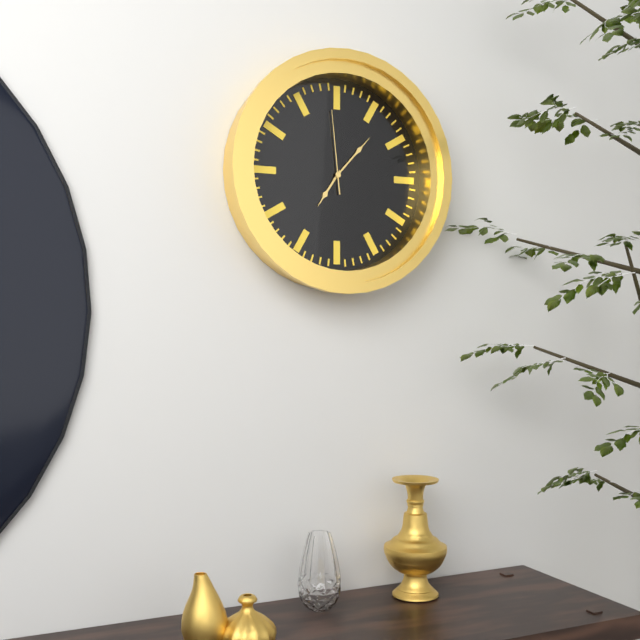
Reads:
7,07,59
